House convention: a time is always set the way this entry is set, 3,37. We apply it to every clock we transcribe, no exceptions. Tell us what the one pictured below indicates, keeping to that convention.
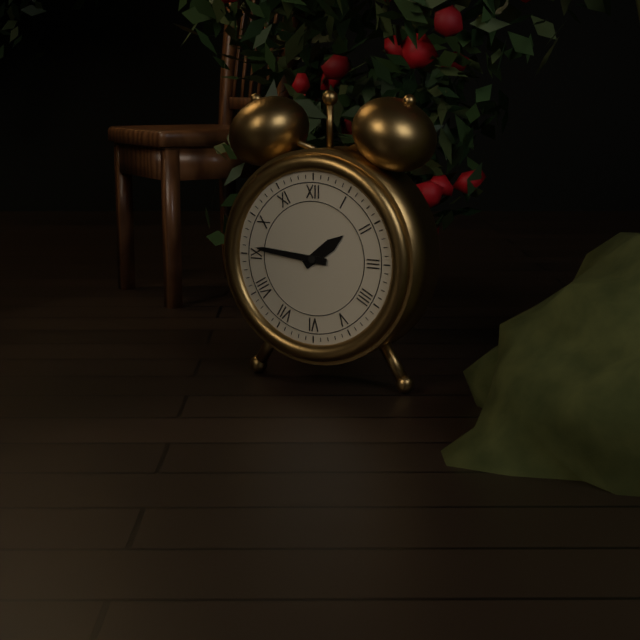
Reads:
1,46
